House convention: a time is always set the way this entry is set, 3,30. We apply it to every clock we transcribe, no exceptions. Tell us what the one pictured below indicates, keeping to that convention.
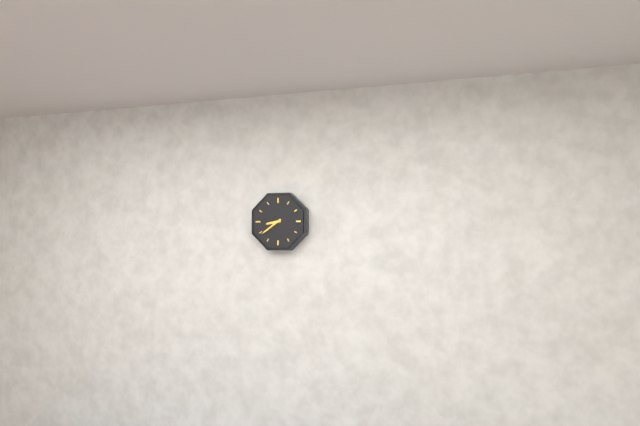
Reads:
8,39
